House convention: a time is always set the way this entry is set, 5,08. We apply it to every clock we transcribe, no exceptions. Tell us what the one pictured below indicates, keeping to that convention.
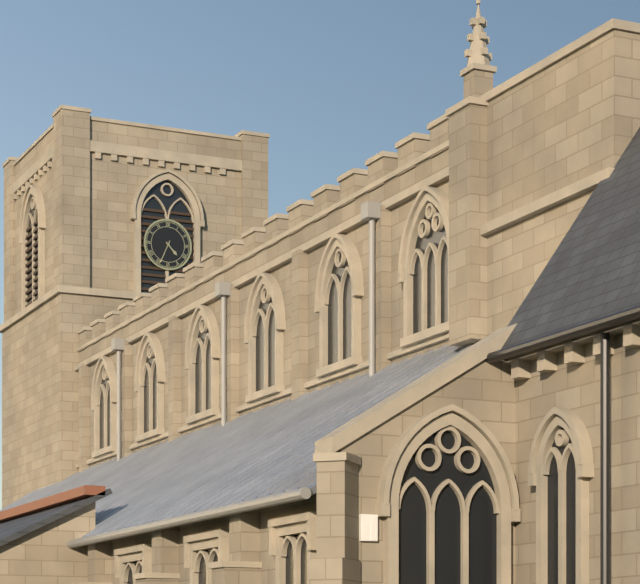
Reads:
4,34
